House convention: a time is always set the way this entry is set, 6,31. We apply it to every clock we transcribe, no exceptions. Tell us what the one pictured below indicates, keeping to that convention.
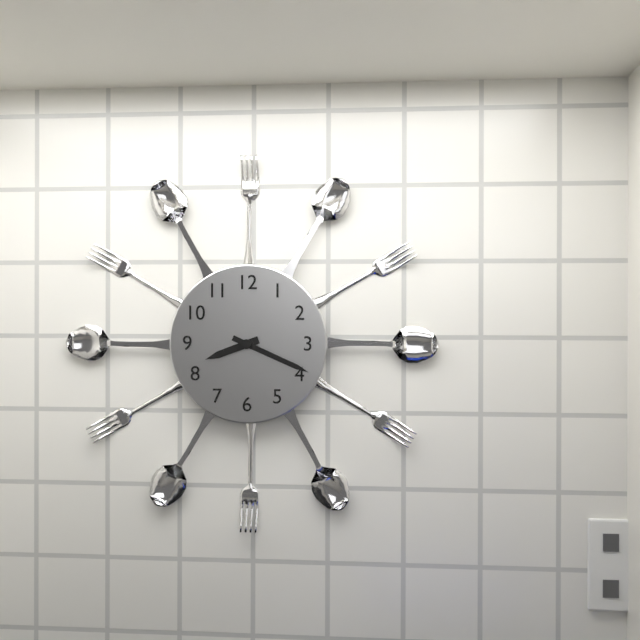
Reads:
8,19
